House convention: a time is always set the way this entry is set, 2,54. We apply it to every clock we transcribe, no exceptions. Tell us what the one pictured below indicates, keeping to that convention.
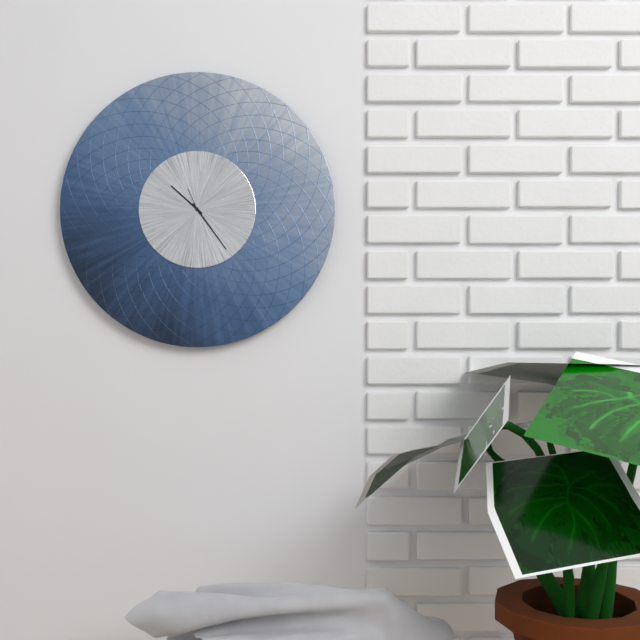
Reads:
10,24
